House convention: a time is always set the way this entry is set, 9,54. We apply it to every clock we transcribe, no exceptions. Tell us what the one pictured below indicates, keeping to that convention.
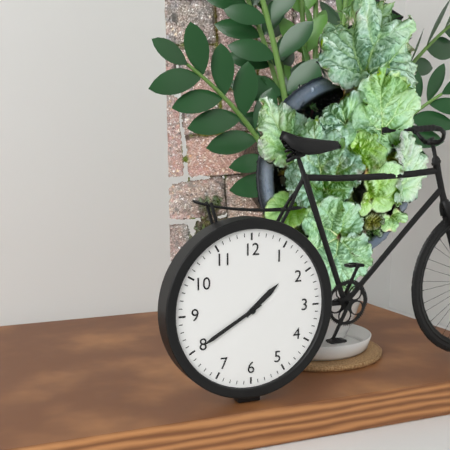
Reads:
1,40
